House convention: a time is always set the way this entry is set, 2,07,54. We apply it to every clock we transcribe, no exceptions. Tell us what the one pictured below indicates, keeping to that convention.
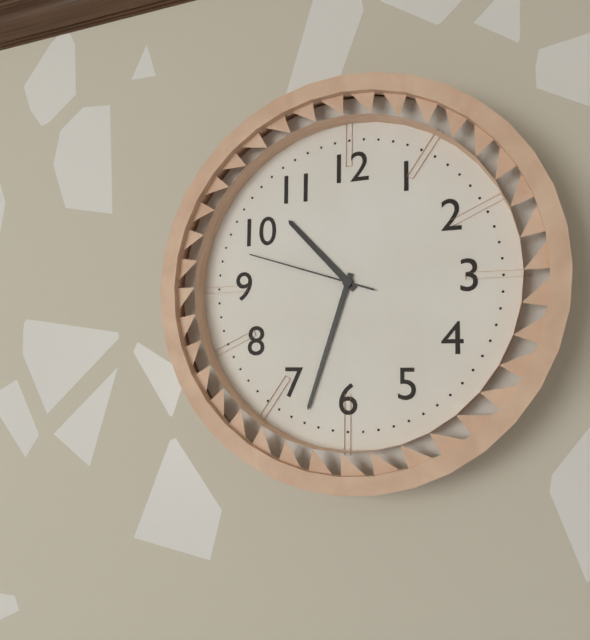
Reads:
10,33,48
